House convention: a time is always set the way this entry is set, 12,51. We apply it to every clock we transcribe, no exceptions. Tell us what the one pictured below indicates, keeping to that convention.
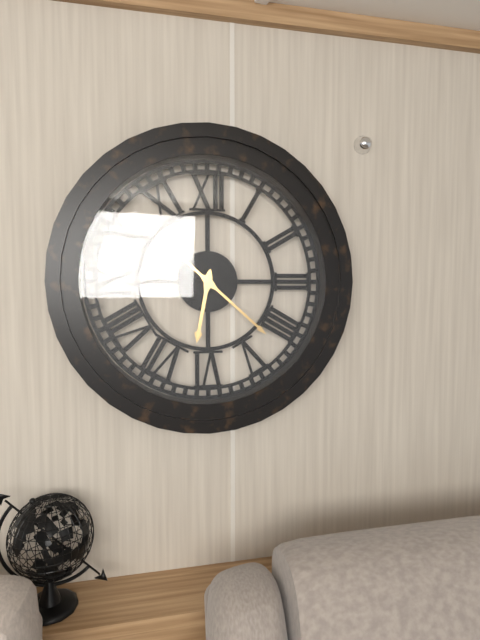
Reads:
6,22
